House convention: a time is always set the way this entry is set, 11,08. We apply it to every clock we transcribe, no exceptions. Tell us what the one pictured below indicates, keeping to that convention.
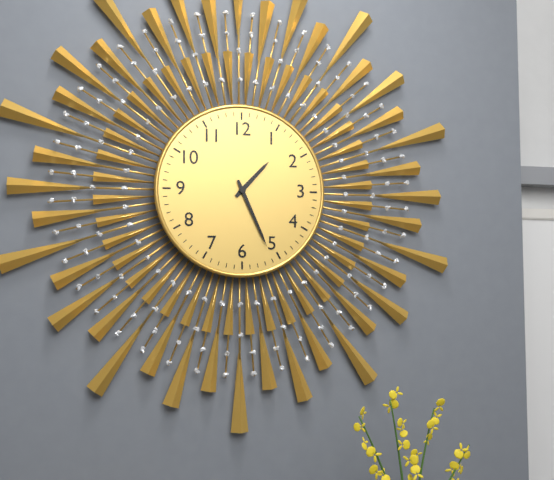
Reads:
1,26
